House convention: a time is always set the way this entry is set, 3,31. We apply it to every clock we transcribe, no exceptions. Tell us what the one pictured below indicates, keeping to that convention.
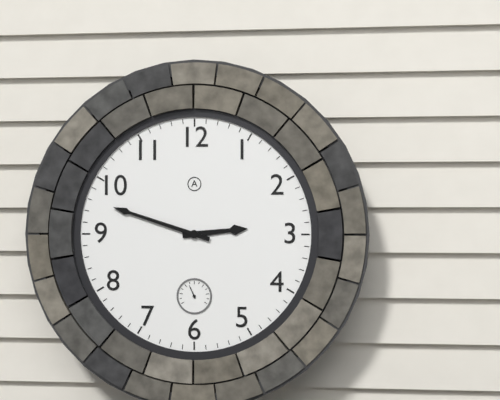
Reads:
2,48
